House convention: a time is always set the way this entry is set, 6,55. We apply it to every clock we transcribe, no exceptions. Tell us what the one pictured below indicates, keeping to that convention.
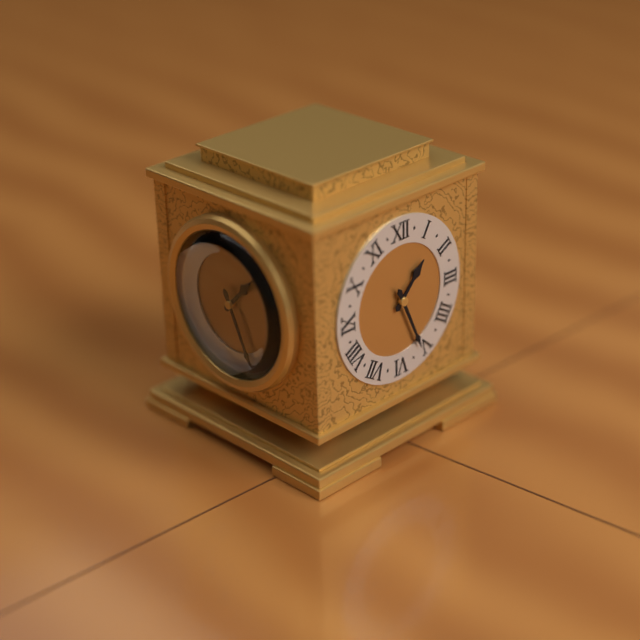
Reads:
1,26
